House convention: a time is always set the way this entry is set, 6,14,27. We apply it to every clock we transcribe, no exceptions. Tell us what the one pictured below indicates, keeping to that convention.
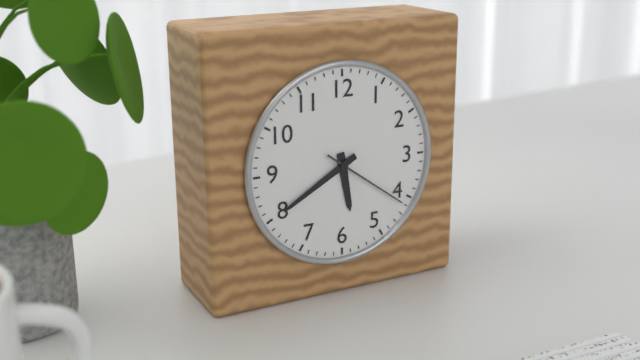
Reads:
5,40,21
